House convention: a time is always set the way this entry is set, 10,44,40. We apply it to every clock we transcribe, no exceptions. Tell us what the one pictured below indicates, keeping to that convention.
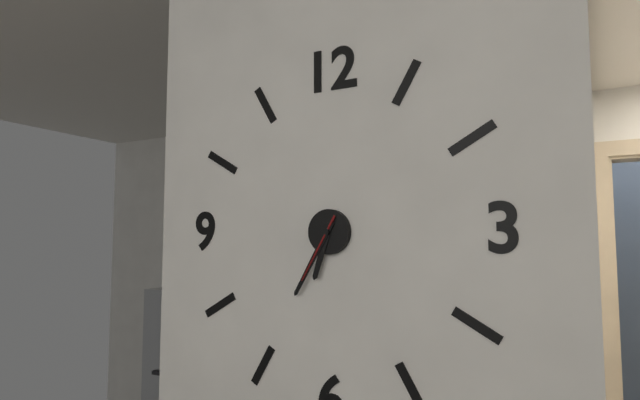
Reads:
6,35,35
